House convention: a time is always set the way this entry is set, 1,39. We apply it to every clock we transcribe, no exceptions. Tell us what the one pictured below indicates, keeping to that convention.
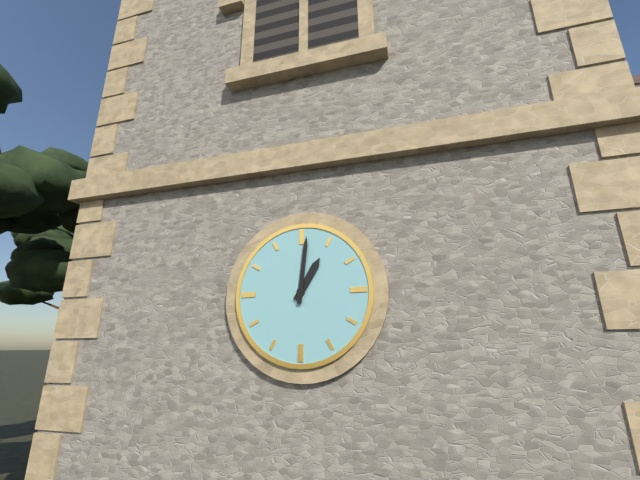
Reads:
1,01
